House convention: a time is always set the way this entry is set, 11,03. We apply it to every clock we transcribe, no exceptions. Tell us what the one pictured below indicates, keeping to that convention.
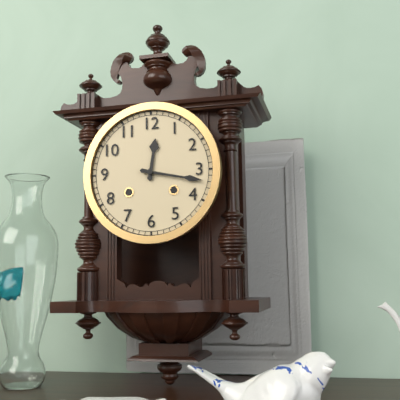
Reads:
12,17
